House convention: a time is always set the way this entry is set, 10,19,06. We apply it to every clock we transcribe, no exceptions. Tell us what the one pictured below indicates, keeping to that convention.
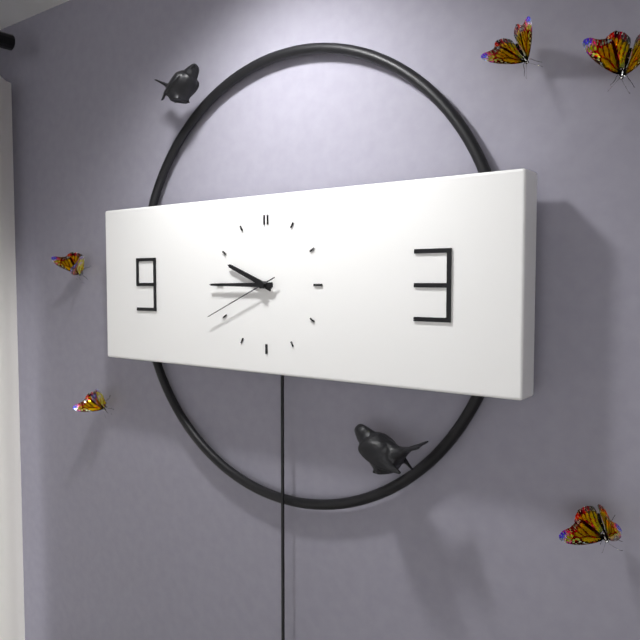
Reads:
9,45,41
